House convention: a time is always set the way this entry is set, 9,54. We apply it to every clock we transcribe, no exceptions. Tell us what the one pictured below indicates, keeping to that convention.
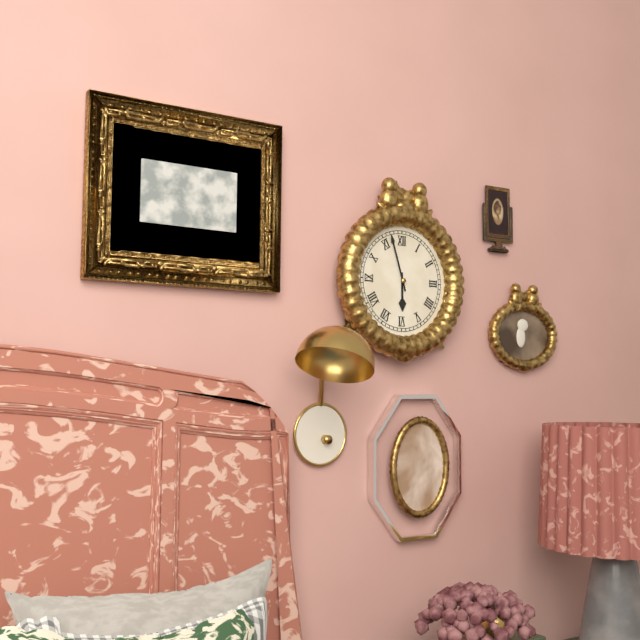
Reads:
5,57
